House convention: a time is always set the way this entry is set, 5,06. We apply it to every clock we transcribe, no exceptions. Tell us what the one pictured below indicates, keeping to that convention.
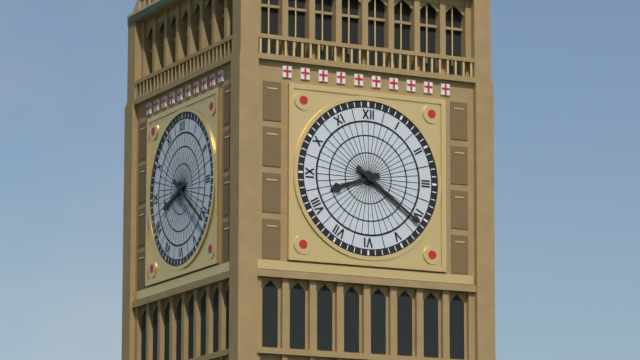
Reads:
8,21
